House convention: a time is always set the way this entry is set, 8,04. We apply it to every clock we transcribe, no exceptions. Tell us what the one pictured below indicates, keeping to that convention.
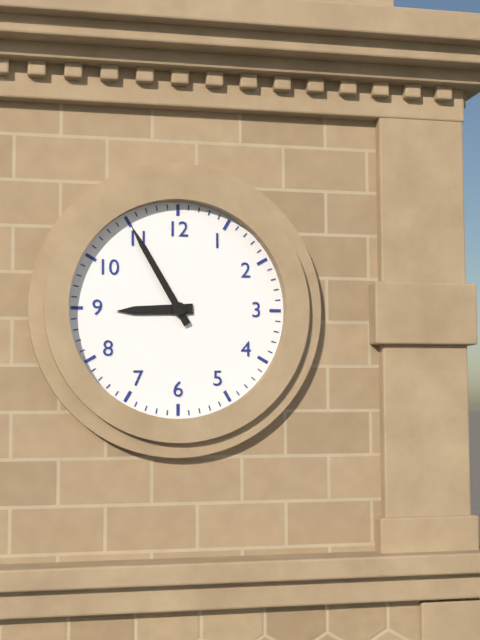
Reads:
8,55
